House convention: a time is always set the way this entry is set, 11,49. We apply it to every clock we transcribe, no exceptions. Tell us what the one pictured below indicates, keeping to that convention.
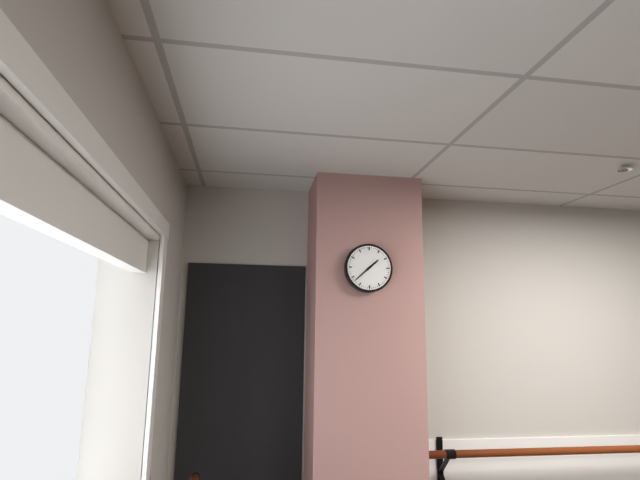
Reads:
1,38
